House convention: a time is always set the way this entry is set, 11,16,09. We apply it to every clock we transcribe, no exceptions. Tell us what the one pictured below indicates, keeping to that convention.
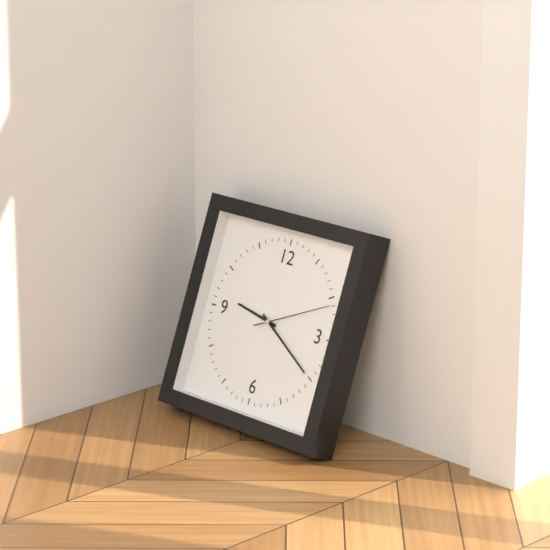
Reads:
9,20,11
